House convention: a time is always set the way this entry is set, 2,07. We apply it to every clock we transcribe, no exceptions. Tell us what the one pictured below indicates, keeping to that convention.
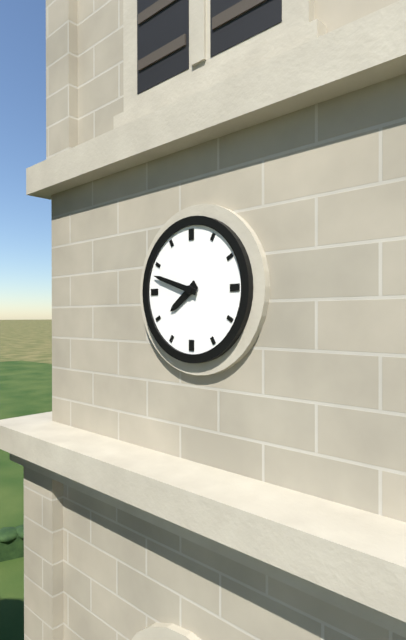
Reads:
7,48
